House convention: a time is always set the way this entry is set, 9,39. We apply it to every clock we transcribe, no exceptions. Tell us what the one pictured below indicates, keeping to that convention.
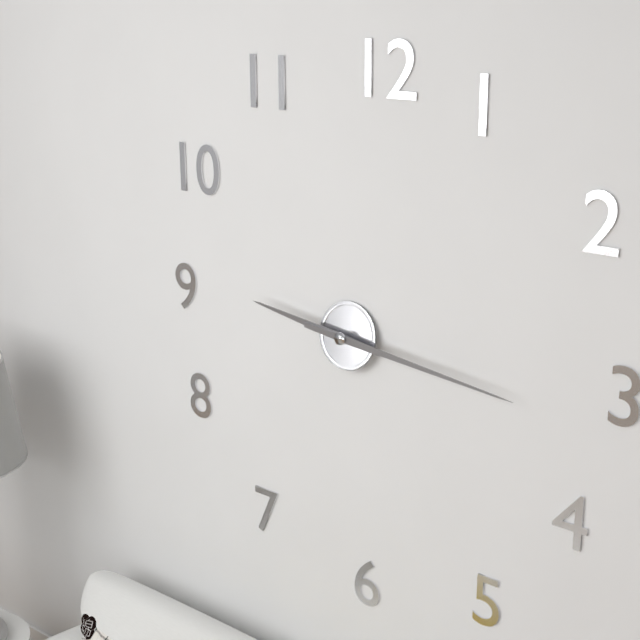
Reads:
9,16
